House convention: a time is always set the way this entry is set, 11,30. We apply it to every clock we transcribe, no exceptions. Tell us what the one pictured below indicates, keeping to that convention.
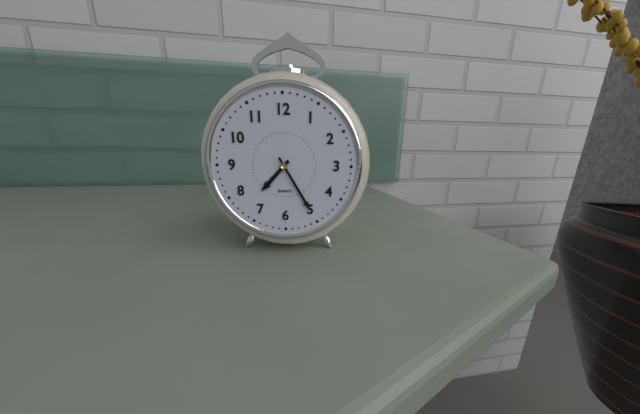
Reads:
7,25
